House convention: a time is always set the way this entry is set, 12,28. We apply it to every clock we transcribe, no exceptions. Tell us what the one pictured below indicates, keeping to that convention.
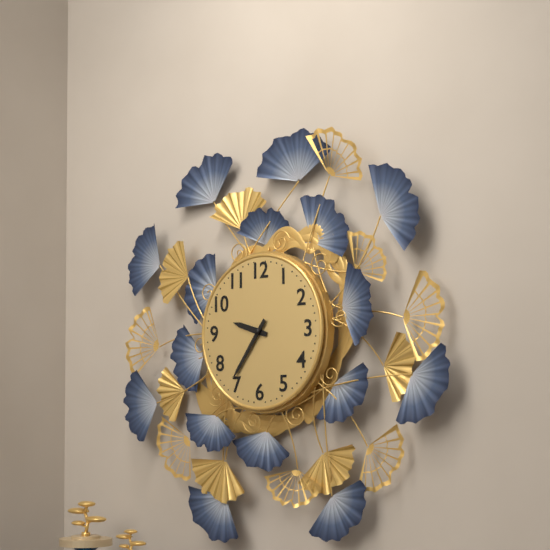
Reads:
9,36
